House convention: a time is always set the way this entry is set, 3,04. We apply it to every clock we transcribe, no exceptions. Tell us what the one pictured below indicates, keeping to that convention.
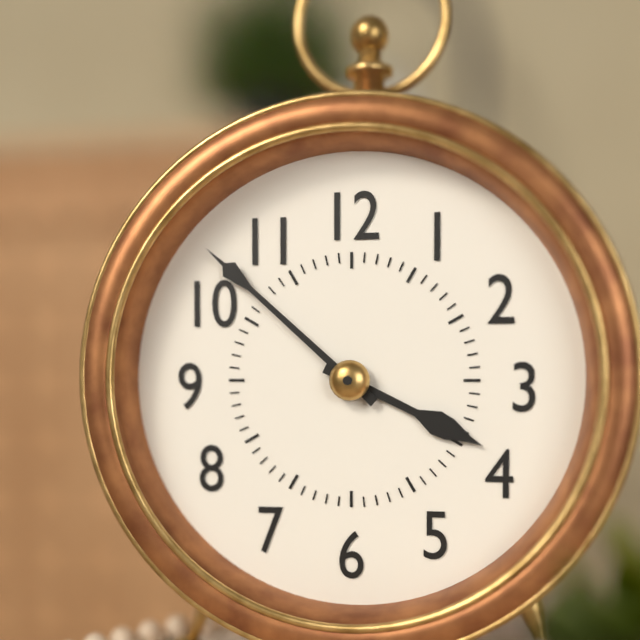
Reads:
3,52
